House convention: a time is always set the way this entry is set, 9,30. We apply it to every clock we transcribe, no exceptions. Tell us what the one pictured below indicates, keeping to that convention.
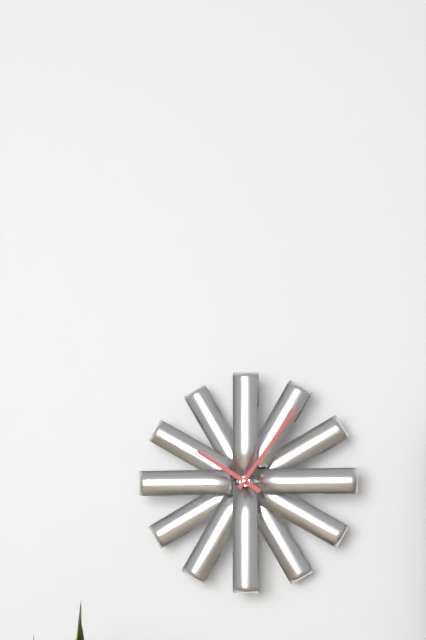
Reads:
10,06
